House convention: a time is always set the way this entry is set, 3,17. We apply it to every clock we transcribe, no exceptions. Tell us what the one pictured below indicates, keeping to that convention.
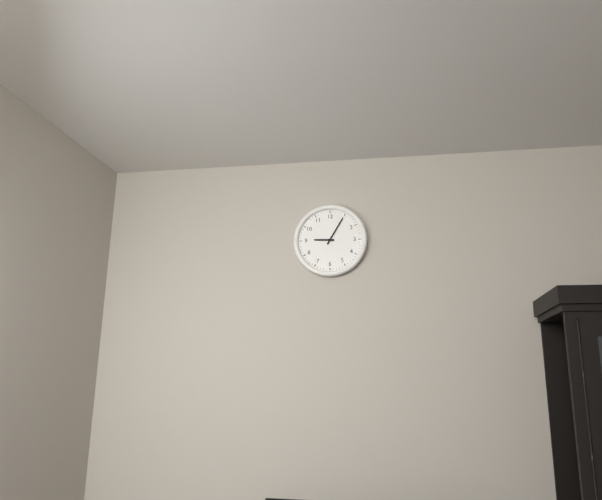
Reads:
9,05
